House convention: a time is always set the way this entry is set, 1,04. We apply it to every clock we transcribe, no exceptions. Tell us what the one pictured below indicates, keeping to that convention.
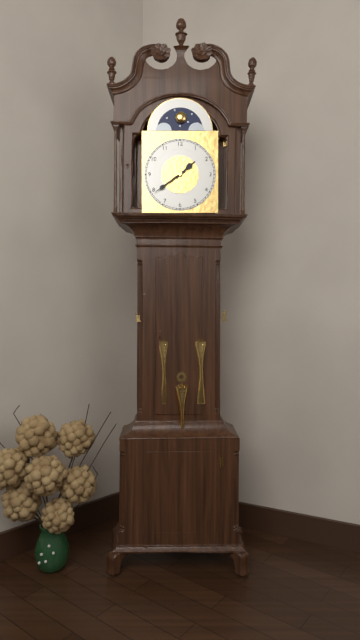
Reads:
1,39
